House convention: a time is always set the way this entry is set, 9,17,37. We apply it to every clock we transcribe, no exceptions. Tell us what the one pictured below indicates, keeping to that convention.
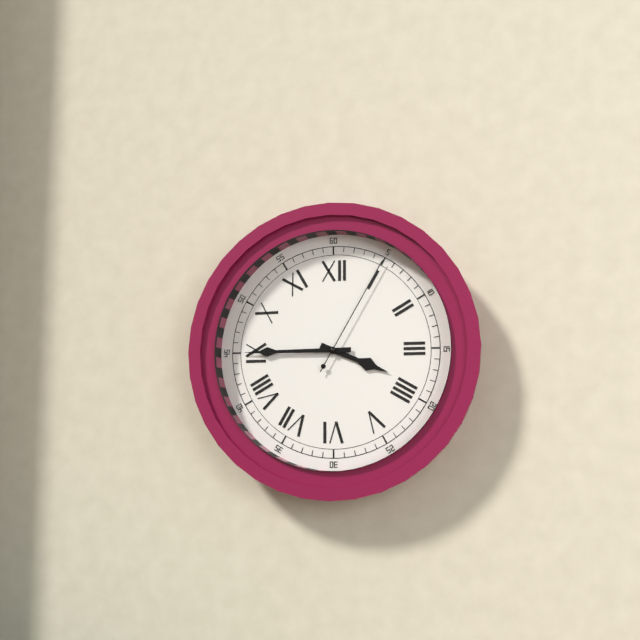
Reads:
3,45,05
